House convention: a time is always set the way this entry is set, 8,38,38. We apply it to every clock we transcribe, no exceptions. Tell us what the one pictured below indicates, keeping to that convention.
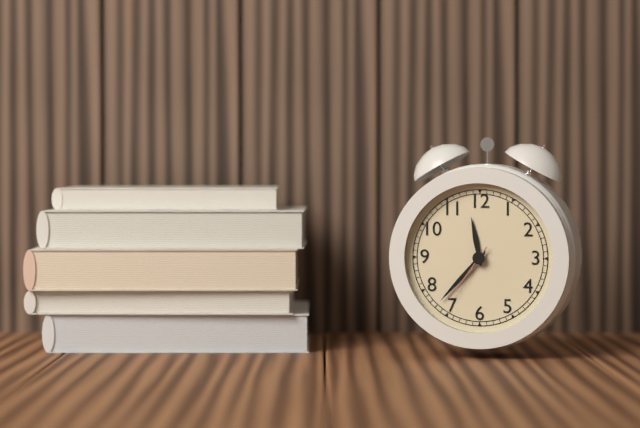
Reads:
11,37,36
